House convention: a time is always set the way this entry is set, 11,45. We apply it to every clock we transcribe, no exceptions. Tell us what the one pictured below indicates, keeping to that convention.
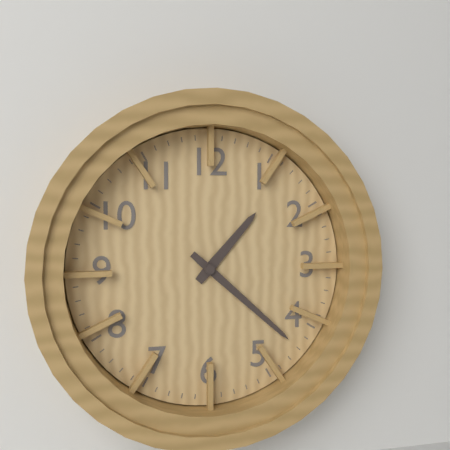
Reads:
1,22
